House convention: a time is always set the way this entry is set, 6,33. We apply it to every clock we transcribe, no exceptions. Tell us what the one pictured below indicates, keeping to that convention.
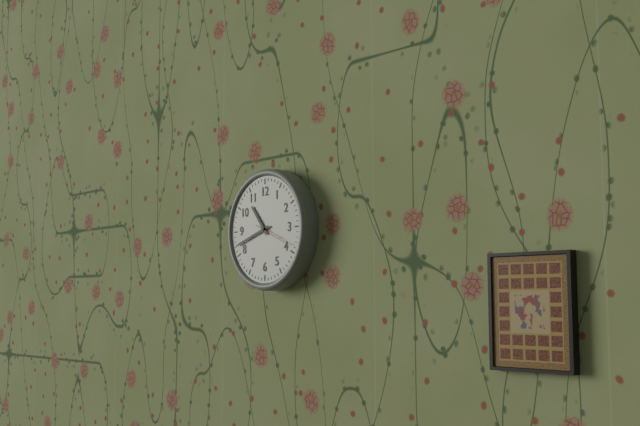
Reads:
10,42
